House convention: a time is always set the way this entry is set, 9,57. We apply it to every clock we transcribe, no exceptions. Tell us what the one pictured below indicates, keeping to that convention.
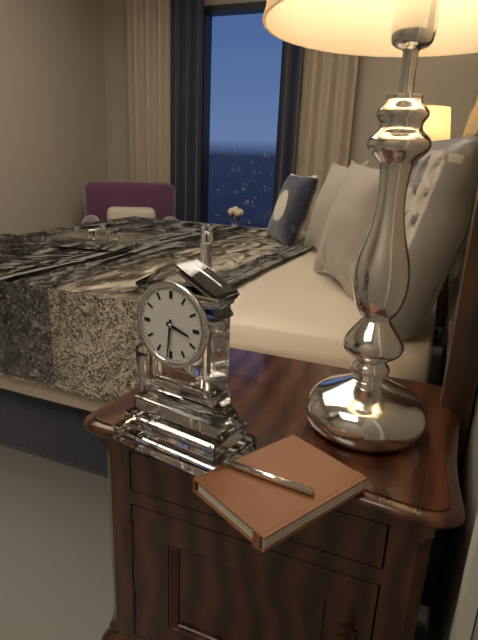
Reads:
3,31
